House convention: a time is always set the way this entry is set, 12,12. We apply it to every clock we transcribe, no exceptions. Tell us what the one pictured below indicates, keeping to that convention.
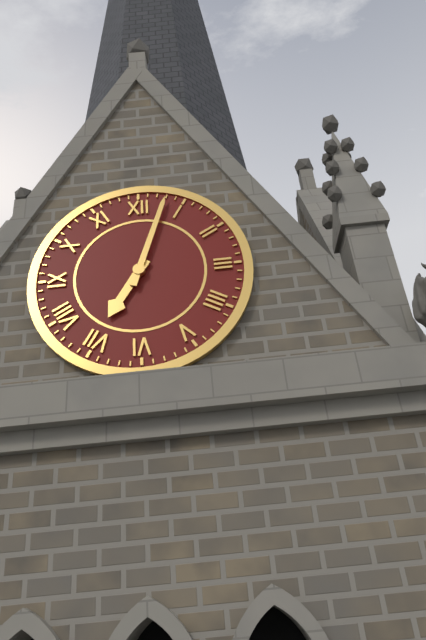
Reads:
7,03
